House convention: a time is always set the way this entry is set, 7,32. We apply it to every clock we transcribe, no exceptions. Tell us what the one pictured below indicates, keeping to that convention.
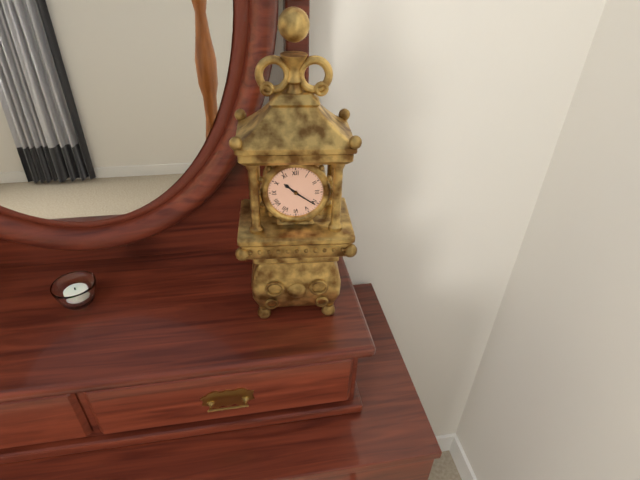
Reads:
10,21
